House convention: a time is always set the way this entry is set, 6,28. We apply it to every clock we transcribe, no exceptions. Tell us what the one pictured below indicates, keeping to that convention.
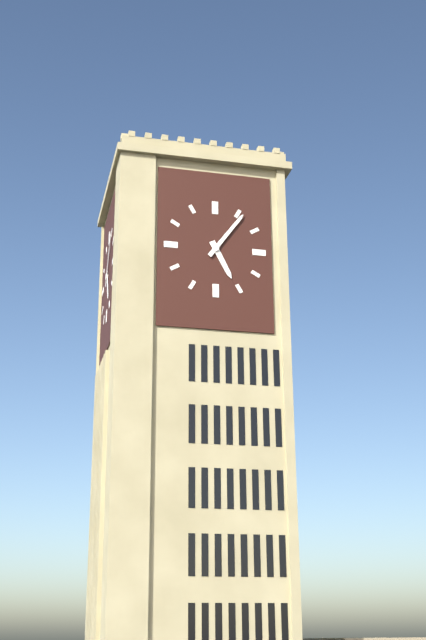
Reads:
5,06
